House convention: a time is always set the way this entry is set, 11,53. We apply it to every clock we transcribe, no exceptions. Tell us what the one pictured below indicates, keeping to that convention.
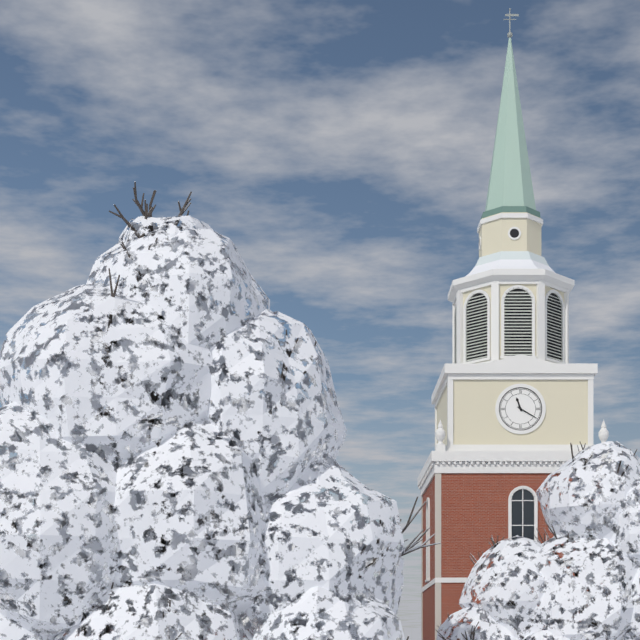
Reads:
11,20
